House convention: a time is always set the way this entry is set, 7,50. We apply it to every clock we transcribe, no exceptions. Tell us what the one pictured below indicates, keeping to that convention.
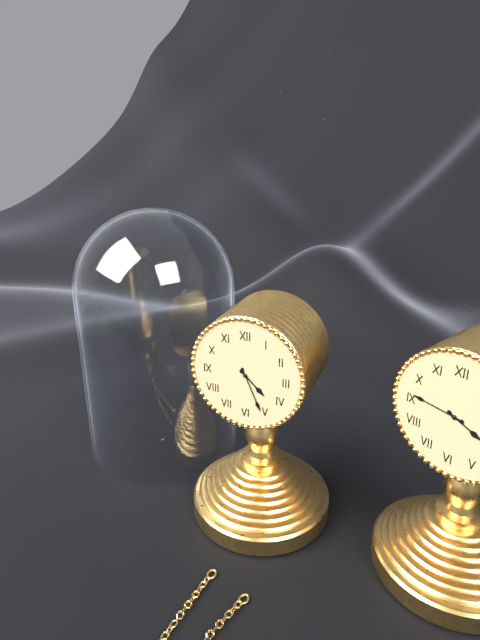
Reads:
4,26
